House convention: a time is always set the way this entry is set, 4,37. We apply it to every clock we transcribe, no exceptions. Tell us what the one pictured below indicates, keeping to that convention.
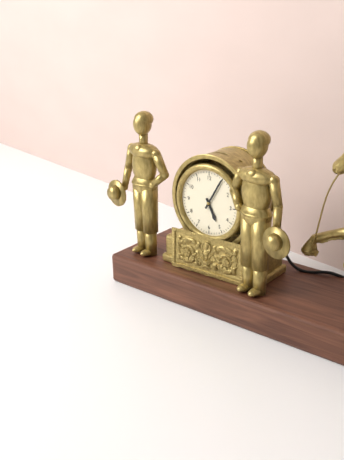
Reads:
5,05
